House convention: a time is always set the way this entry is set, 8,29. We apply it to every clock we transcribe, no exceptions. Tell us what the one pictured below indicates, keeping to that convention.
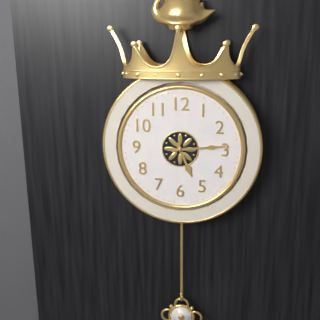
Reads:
5,14
